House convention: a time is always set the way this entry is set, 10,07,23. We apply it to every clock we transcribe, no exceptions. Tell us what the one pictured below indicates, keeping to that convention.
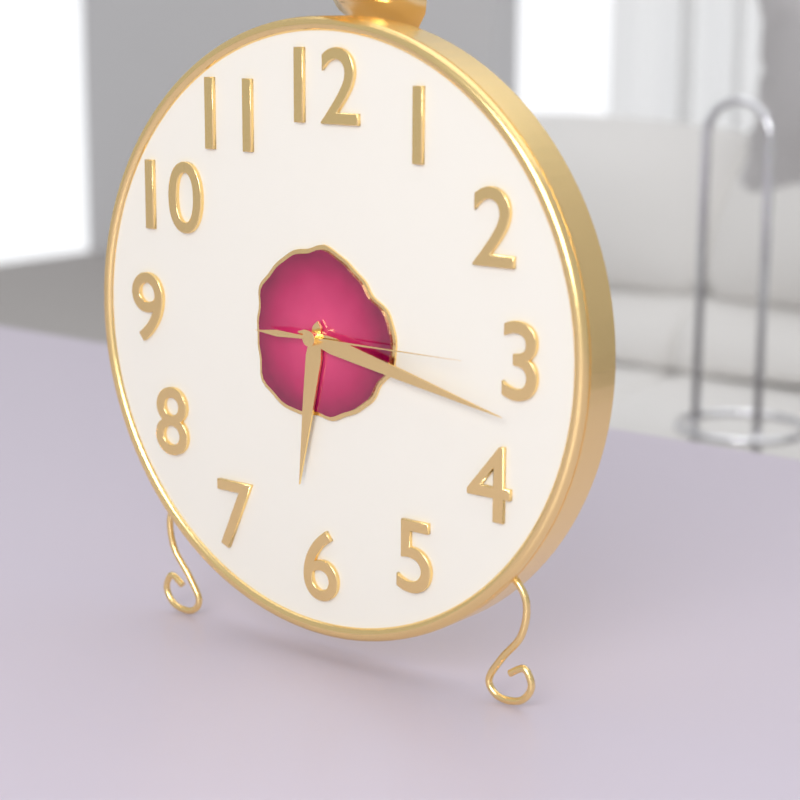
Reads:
6,17,15
